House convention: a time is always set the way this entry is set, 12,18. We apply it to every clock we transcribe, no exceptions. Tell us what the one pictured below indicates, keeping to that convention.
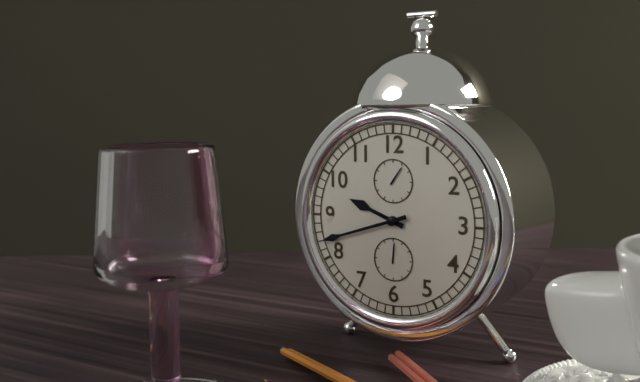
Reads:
9,42
